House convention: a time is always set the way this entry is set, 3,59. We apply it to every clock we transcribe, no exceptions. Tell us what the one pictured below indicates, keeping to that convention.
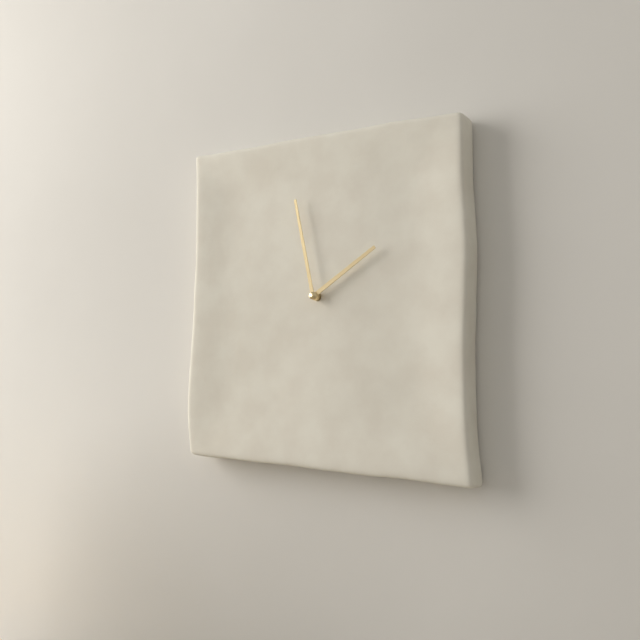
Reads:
1,58
